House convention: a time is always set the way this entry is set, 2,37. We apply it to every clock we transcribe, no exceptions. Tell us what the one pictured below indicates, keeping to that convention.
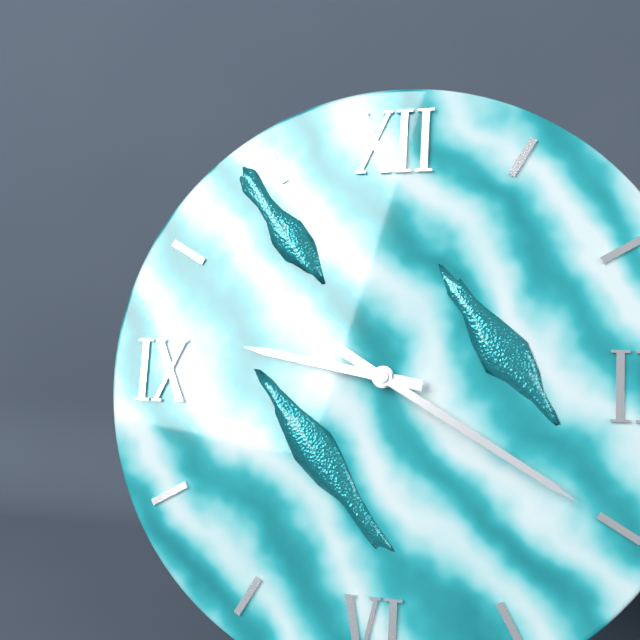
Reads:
9,20
